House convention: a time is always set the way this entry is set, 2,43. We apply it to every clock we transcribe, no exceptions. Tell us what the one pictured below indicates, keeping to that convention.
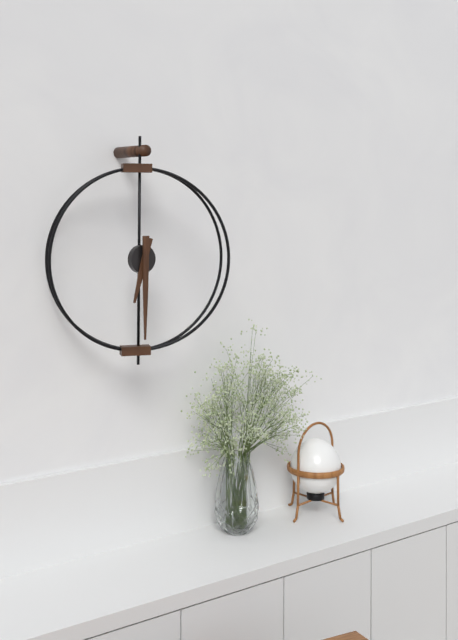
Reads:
6,30
